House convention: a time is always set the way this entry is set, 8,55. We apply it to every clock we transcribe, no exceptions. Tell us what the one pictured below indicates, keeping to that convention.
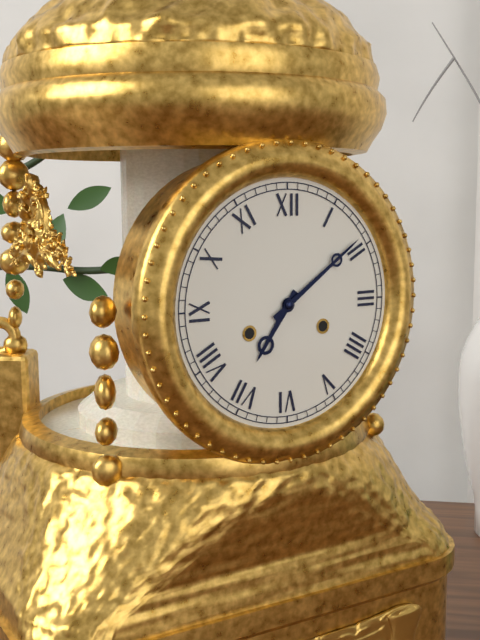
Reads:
7,09
